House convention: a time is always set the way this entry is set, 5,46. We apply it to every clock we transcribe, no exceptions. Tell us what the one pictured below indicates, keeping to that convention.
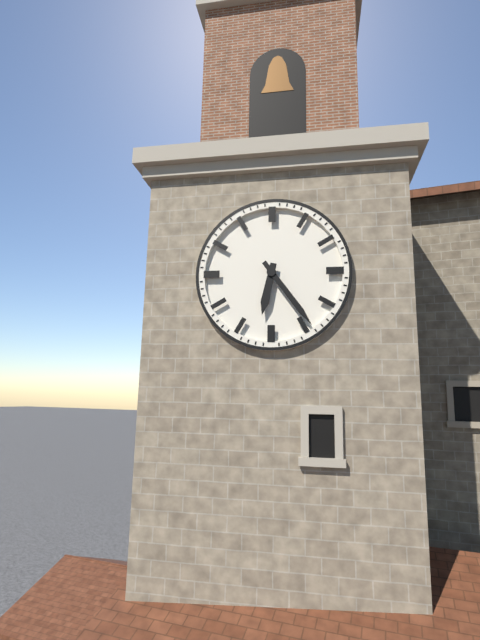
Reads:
6,24
